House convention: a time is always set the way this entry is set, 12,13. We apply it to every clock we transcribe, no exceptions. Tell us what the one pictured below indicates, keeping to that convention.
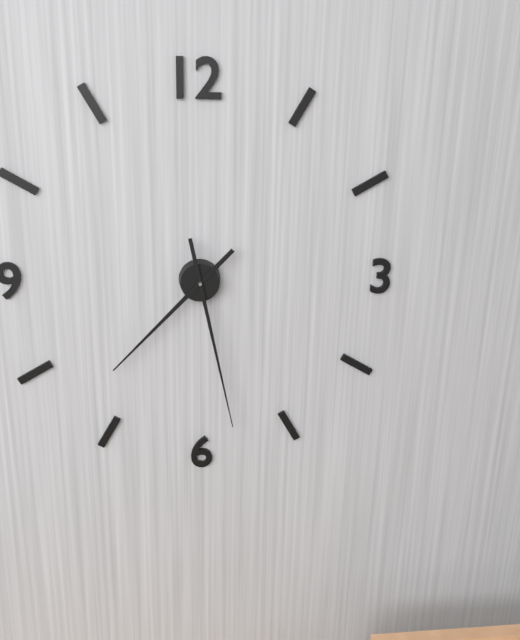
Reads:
7,28
